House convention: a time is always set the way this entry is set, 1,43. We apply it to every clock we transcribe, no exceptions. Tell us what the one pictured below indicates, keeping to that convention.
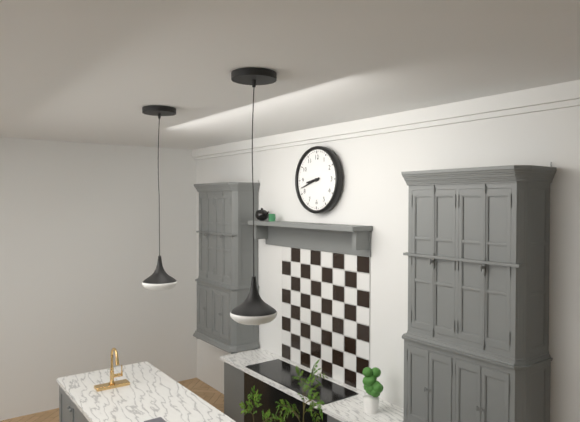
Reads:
8,42
